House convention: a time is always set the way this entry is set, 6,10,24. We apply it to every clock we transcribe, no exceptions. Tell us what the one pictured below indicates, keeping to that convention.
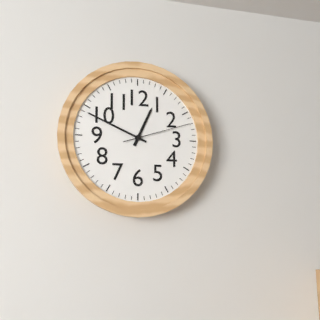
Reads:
12,49,12
